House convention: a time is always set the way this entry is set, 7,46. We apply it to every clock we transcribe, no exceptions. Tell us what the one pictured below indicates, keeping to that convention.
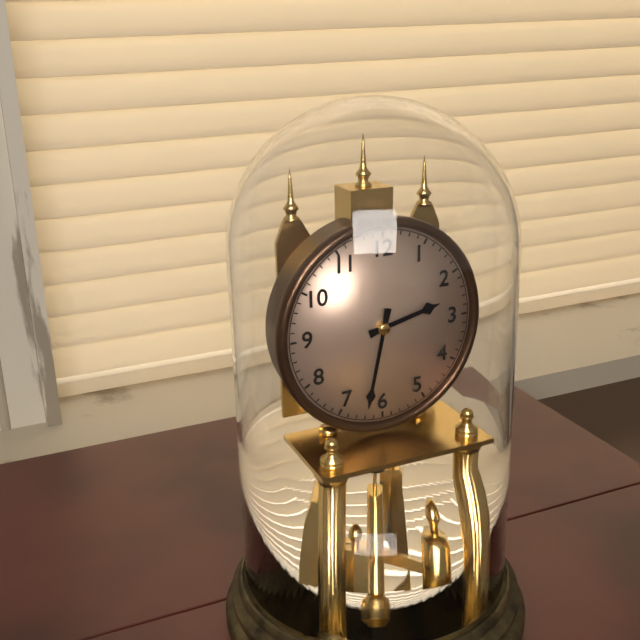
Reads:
2,32
